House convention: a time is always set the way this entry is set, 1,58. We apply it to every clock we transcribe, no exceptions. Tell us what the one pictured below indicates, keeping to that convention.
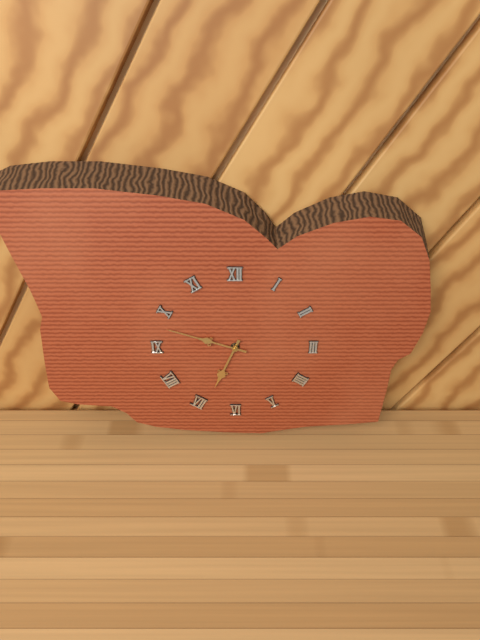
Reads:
6,48
